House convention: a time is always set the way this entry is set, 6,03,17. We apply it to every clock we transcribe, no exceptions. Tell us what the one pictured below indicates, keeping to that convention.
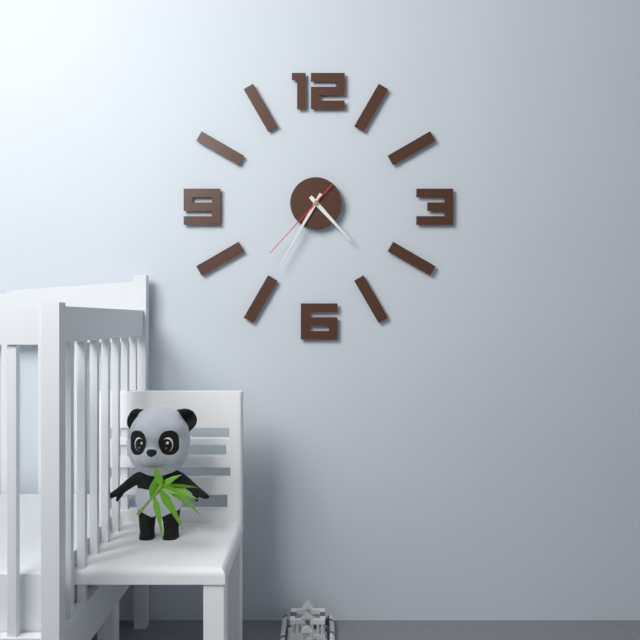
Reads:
4,35,37
